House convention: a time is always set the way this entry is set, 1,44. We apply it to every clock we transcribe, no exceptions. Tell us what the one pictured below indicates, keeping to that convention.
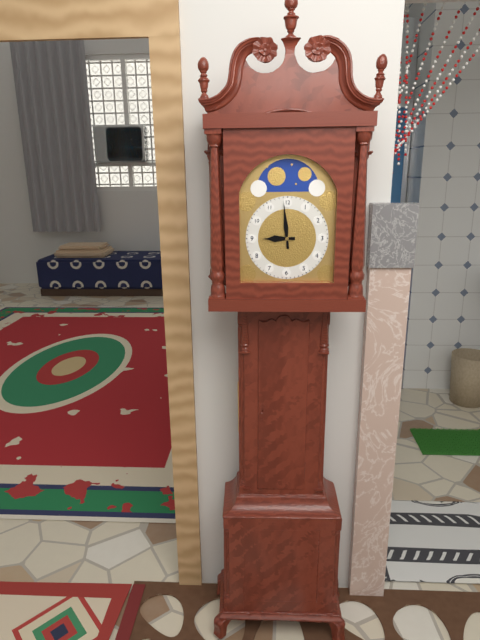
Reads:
8,59
